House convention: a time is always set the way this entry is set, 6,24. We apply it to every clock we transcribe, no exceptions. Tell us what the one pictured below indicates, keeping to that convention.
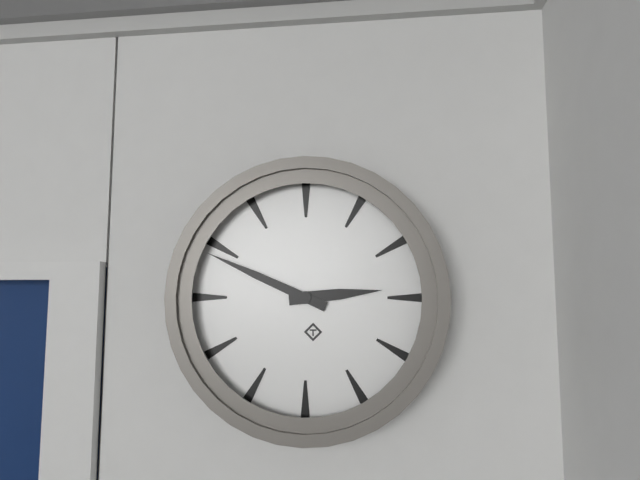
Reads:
2,49
